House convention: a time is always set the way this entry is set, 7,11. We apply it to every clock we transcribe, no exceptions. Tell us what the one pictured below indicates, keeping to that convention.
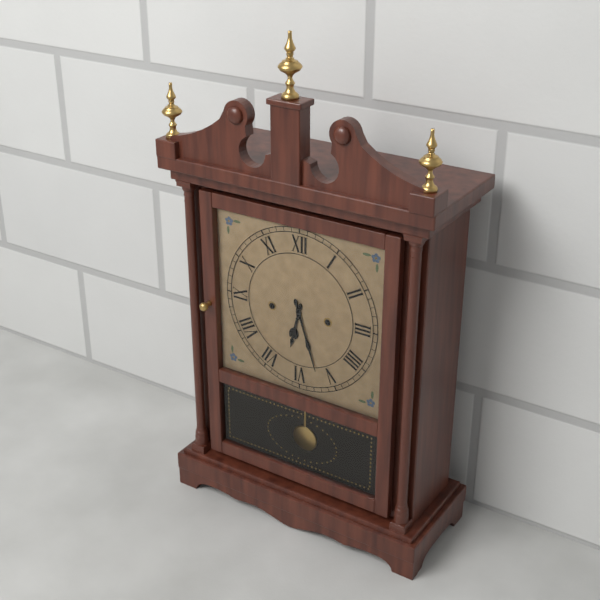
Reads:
6,27
